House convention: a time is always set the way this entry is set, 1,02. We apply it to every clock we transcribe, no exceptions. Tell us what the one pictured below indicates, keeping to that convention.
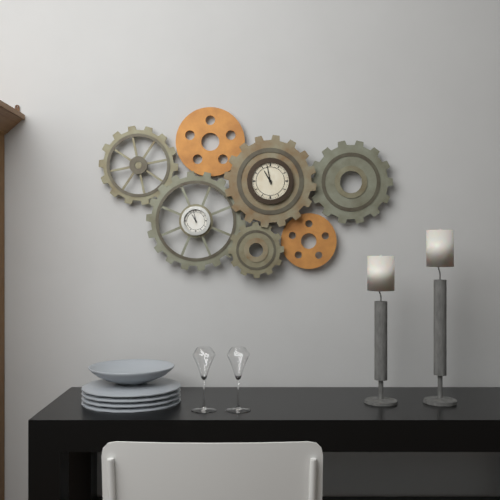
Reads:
10,58
